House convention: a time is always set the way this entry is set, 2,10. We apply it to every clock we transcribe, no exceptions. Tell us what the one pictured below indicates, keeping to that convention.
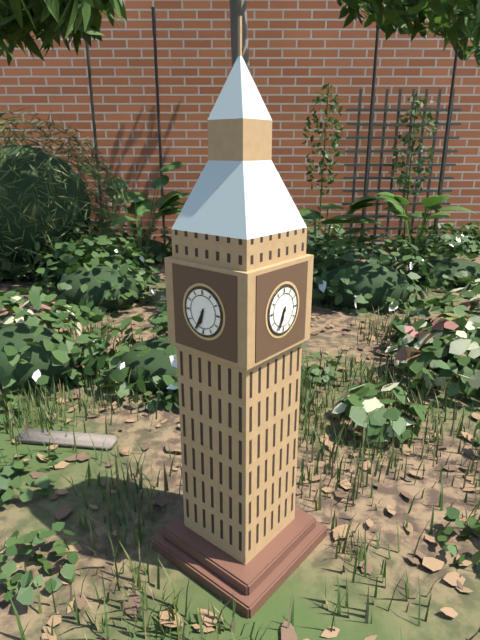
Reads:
6,34
